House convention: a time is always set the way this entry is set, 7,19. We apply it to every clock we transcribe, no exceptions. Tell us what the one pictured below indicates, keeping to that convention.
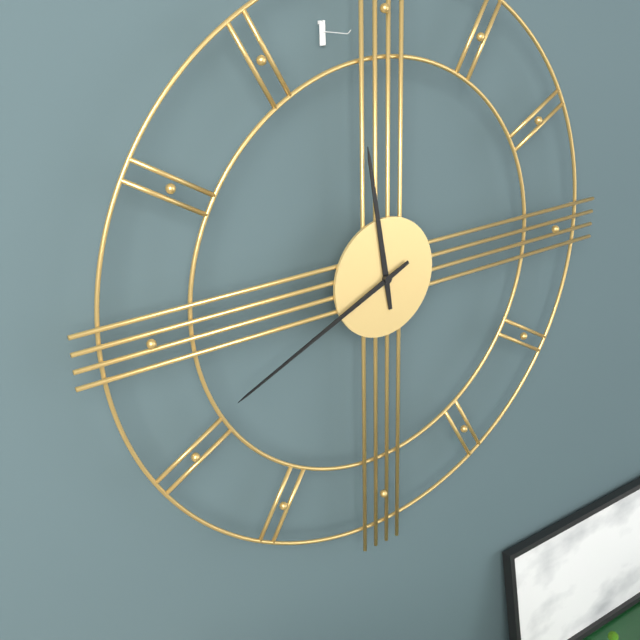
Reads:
11,41
